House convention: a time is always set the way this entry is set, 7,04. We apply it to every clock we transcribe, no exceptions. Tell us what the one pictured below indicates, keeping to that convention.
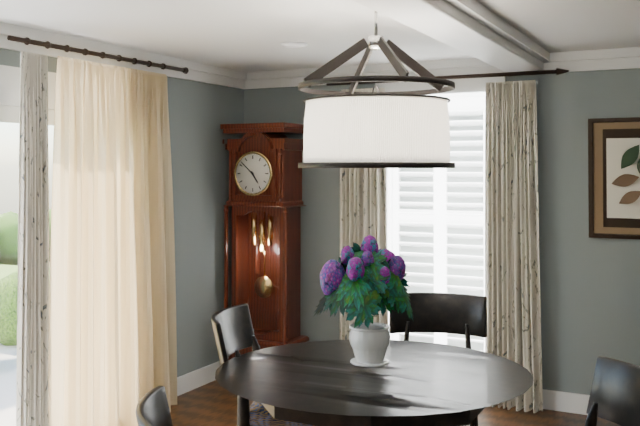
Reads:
4,52
